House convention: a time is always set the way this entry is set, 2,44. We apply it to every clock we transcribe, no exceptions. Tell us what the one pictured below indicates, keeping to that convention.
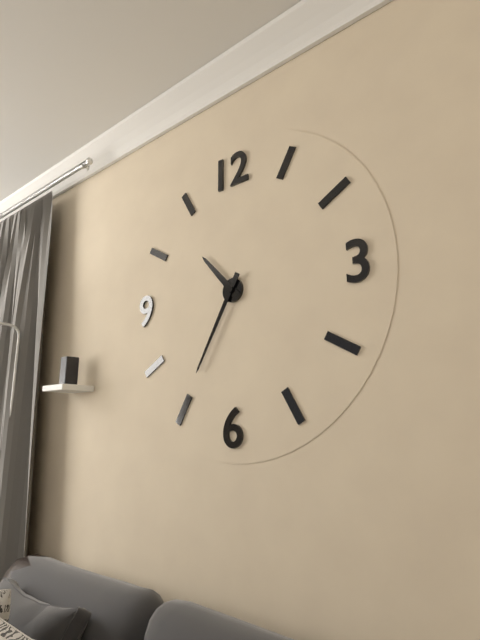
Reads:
10,35
